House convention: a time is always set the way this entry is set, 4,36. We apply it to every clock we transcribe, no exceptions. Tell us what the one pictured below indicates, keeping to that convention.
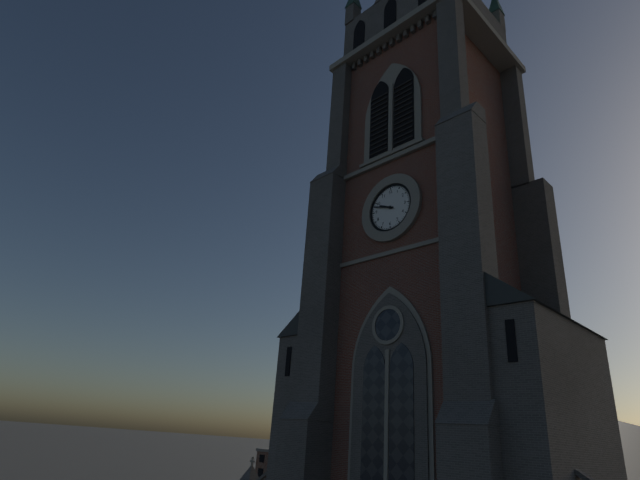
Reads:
9,48
